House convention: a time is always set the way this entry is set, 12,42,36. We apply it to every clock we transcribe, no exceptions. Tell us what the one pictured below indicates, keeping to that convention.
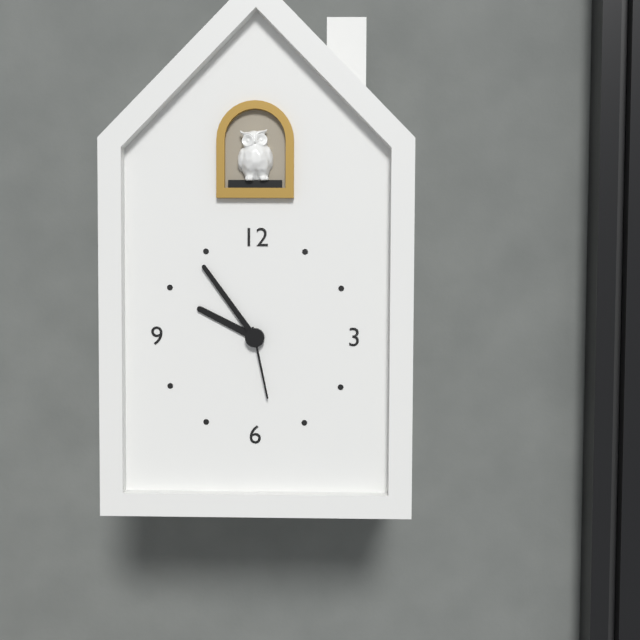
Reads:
9,54,28
